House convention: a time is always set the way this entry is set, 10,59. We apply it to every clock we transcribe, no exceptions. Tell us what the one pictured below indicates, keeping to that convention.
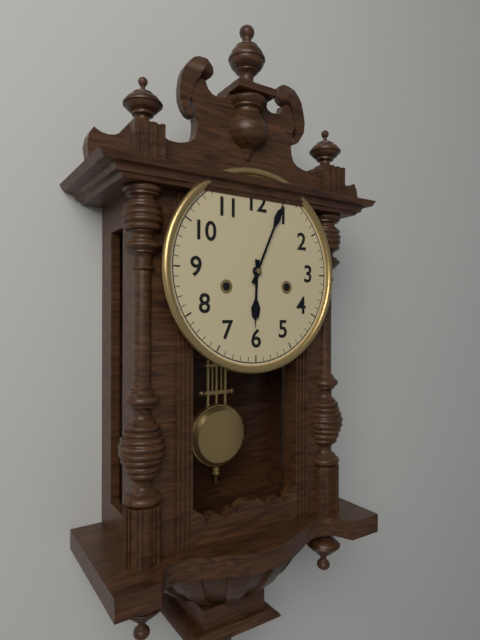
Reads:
6,04
